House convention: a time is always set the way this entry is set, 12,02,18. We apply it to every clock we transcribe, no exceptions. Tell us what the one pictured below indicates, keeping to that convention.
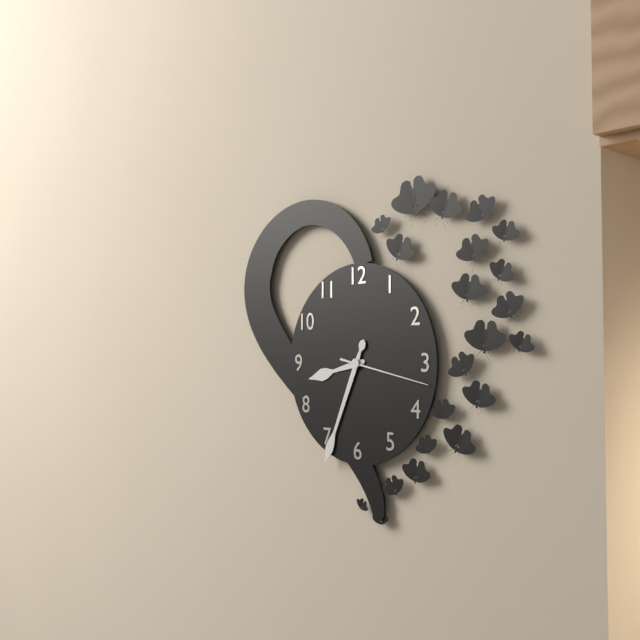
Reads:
8,34,17
